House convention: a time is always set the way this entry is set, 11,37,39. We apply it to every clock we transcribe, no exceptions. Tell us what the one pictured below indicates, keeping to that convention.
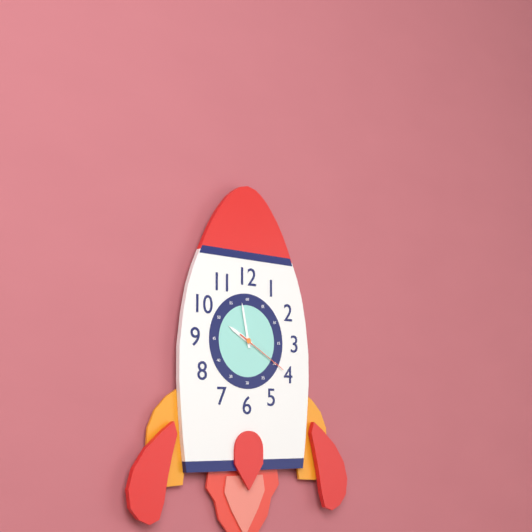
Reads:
9,58,20
